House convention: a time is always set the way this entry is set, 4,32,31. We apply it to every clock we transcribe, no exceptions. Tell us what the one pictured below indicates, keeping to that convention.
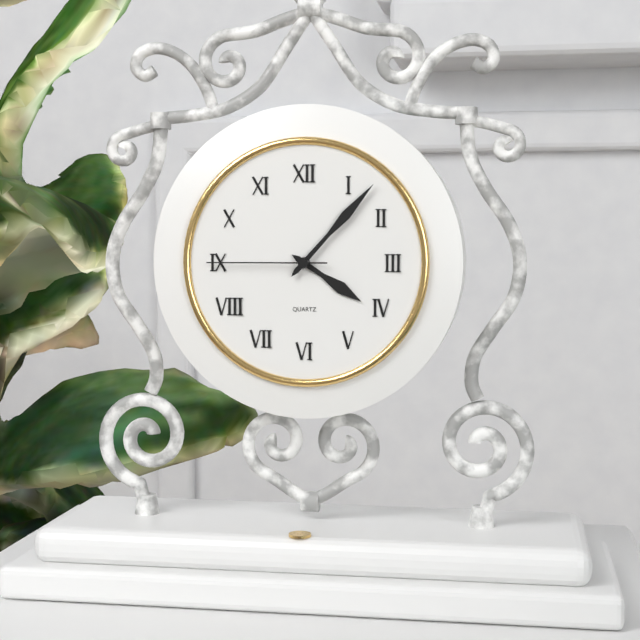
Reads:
4,07,45
